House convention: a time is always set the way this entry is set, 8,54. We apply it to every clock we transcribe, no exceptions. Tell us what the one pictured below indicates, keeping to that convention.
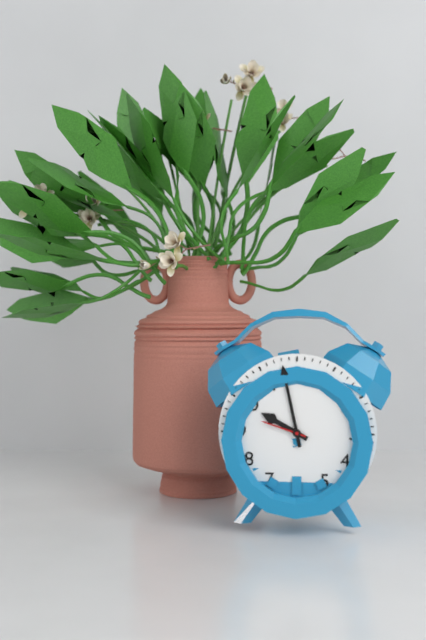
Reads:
9,58
